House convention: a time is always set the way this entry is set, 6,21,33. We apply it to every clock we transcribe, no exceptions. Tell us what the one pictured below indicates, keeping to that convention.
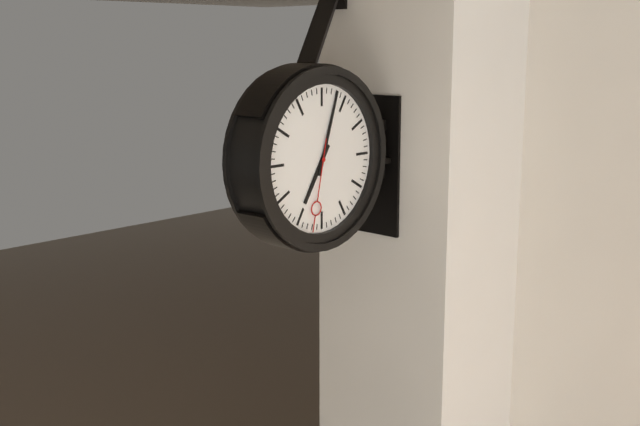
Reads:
7,03,32
